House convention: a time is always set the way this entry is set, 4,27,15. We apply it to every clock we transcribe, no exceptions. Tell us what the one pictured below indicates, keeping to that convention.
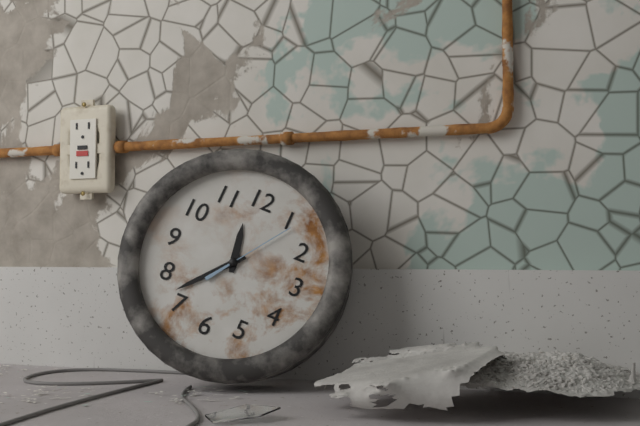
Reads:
11,37,06
